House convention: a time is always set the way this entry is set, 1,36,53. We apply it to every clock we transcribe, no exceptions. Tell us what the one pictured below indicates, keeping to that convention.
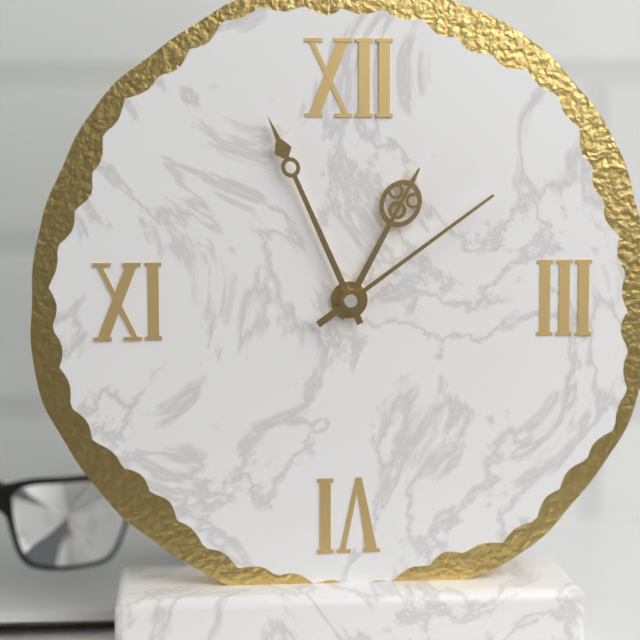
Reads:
12,56,09
